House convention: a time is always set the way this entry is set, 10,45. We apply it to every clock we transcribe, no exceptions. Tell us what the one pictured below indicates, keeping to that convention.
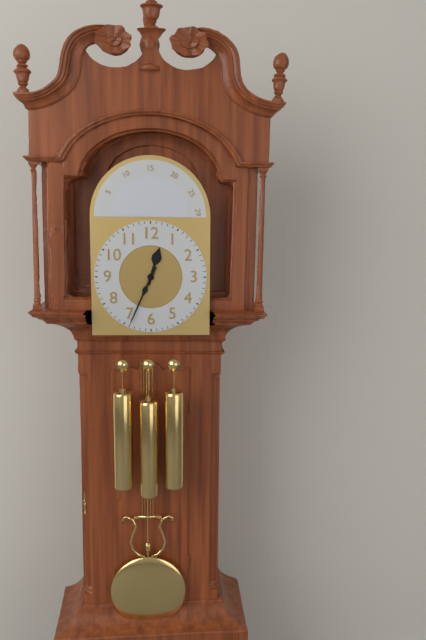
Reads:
12,34
